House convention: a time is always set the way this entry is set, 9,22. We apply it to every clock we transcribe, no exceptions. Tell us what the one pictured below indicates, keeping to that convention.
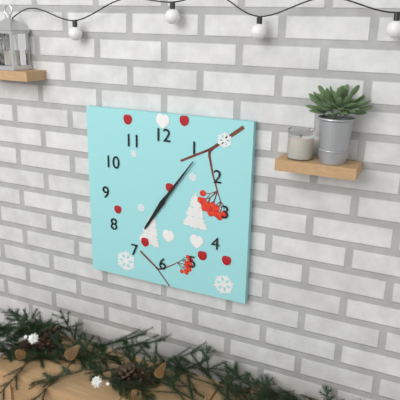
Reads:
7,06
